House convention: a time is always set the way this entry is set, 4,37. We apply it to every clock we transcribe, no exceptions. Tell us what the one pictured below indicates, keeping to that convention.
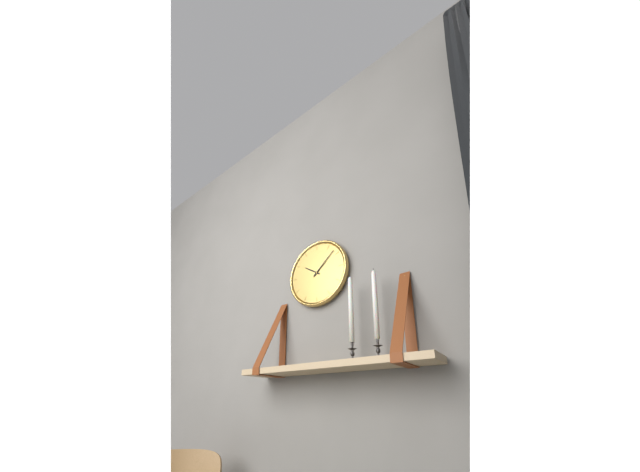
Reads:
10,08
